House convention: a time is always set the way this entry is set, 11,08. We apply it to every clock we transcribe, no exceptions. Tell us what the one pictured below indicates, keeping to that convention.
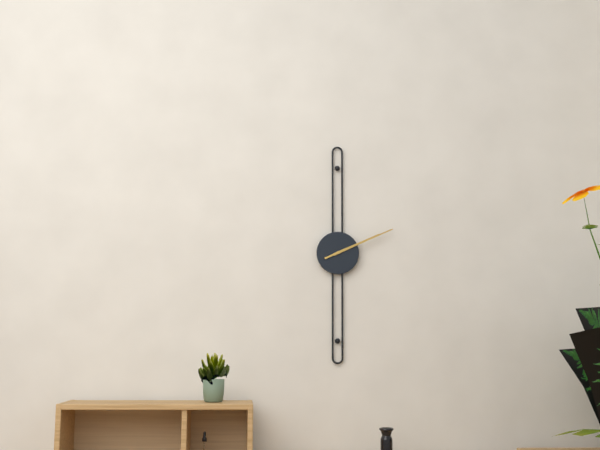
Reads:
2,11
